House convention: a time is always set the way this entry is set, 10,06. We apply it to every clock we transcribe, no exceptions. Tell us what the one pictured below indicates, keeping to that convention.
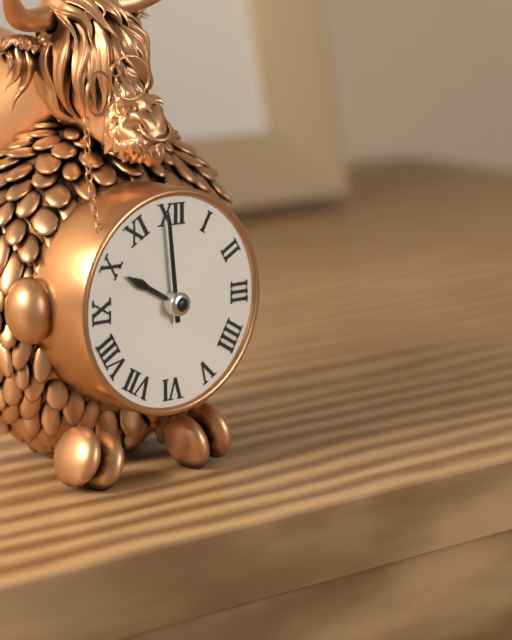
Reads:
9,59
